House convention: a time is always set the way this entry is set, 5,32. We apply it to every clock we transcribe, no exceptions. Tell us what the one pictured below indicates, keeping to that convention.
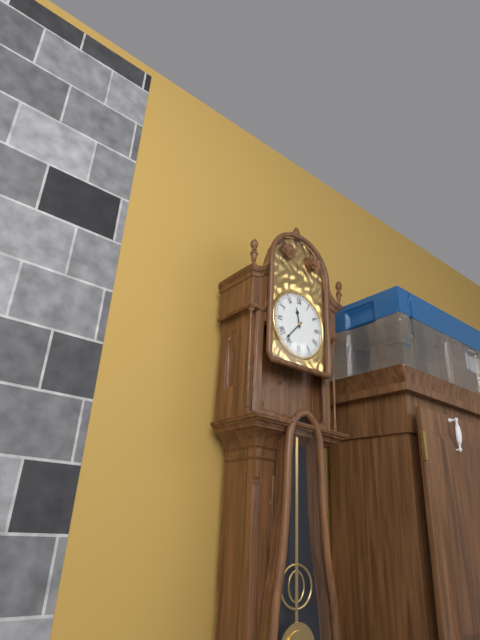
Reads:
11,37
